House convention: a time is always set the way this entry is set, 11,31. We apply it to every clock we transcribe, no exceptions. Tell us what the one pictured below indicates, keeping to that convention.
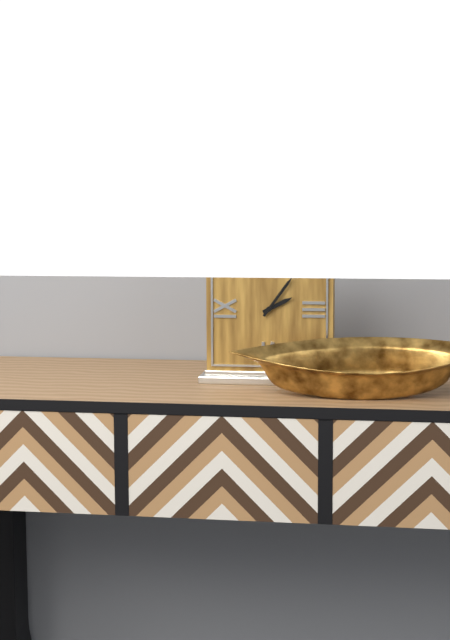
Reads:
2,06
